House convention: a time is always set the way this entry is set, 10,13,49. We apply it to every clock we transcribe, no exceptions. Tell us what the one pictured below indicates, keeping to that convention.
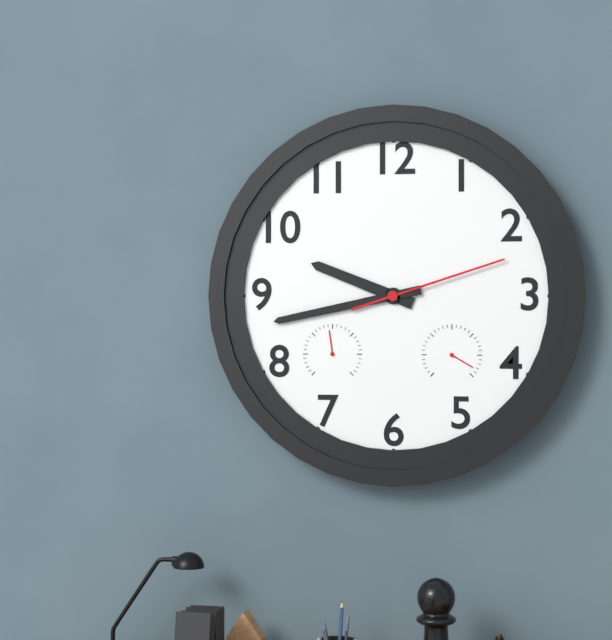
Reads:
9,43,12
